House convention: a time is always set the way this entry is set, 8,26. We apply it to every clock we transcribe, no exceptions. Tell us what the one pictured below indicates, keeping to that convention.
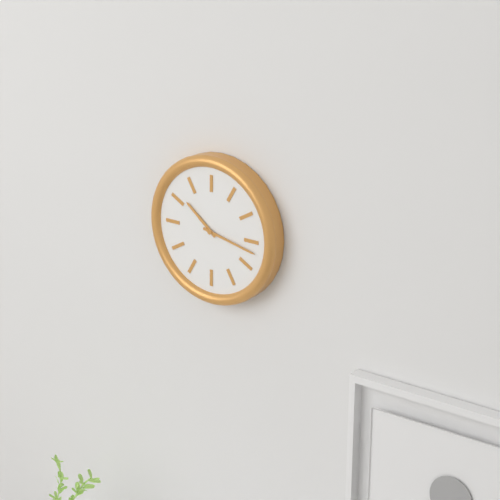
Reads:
10,17
